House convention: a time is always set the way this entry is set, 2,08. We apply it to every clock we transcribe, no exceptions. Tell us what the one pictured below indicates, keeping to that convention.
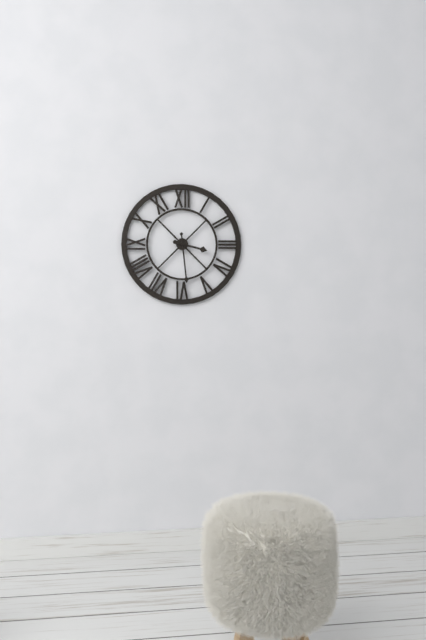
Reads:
3,29
